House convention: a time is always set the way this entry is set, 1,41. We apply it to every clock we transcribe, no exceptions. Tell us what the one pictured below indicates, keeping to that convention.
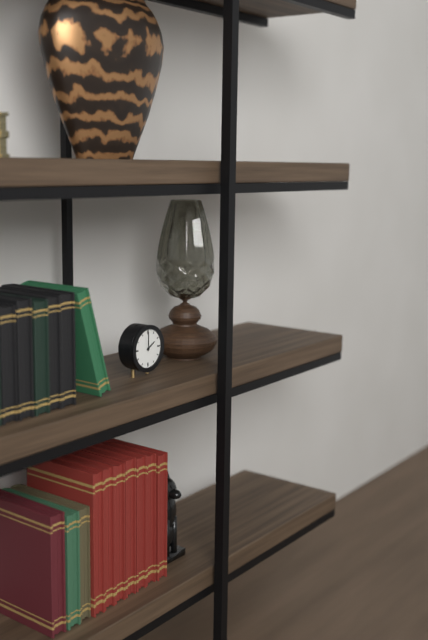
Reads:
2,00
